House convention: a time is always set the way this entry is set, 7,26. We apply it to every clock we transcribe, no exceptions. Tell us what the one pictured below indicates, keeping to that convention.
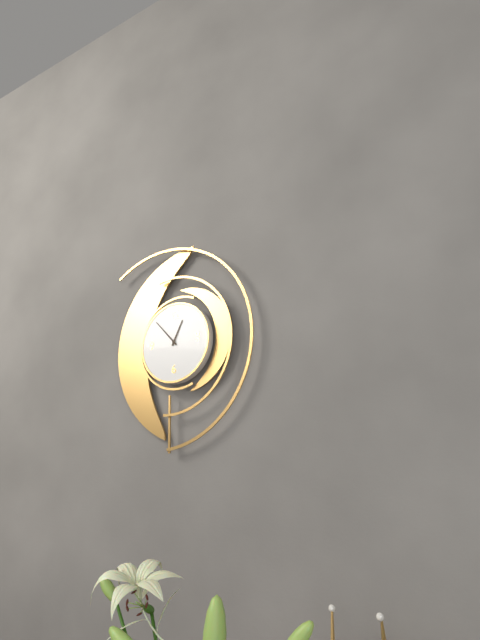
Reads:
12,53
